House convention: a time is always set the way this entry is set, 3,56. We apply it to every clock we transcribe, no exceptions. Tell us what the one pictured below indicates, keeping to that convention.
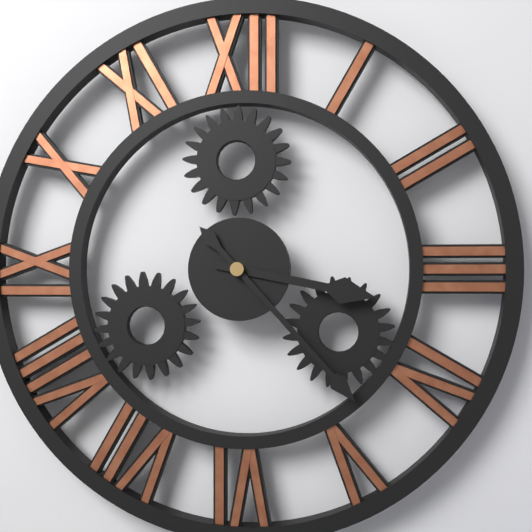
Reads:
3,23
